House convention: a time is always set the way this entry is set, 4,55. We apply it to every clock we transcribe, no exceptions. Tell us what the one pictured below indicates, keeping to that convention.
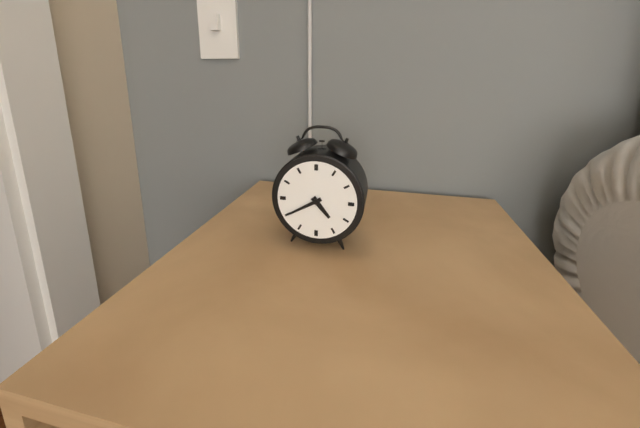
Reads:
4,40
